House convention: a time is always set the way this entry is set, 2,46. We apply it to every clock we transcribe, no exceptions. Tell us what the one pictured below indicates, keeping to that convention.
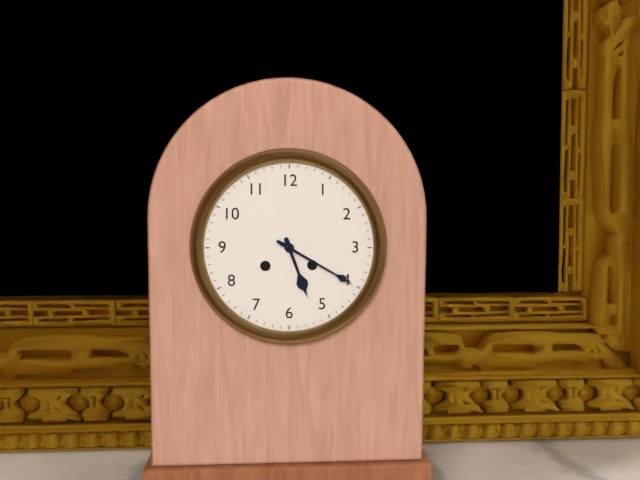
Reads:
5,20
